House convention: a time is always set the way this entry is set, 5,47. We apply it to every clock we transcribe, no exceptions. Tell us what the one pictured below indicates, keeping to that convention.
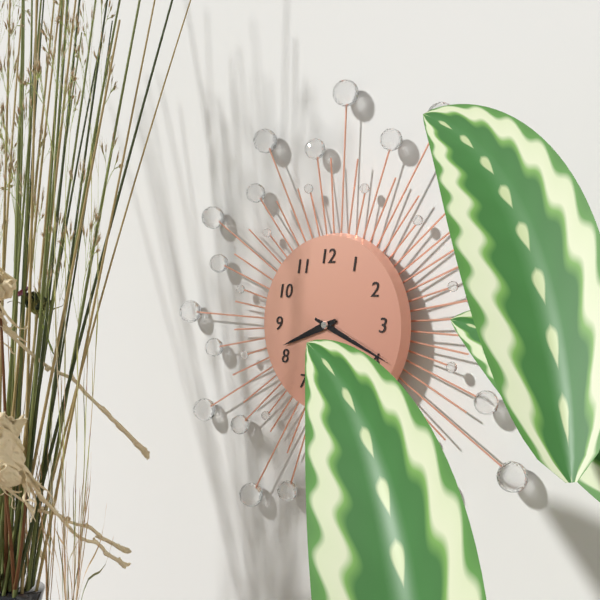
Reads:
8,19
